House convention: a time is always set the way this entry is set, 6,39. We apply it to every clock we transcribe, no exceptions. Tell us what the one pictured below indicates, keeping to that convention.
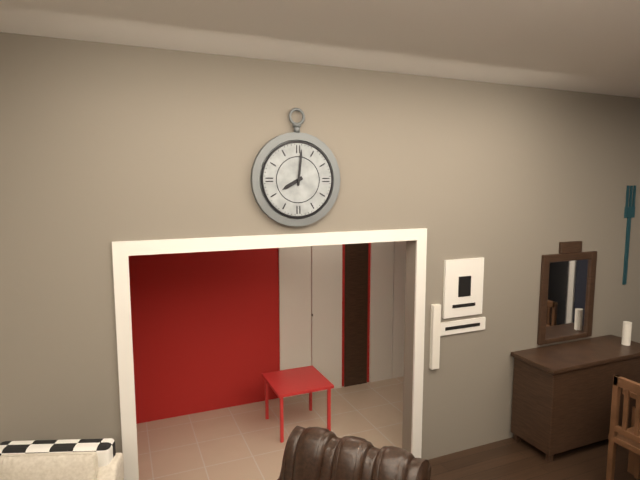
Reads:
8,01
